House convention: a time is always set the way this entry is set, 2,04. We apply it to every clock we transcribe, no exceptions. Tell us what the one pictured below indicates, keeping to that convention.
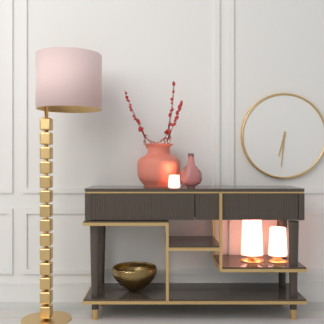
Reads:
6,31
